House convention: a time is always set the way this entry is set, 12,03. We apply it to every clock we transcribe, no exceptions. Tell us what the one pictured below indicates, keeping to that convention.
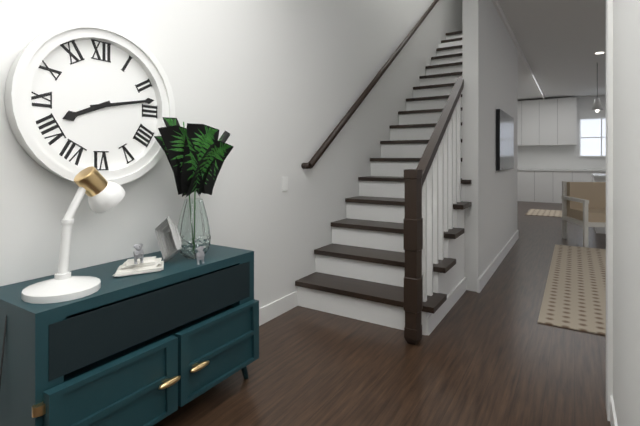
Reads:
8,13
